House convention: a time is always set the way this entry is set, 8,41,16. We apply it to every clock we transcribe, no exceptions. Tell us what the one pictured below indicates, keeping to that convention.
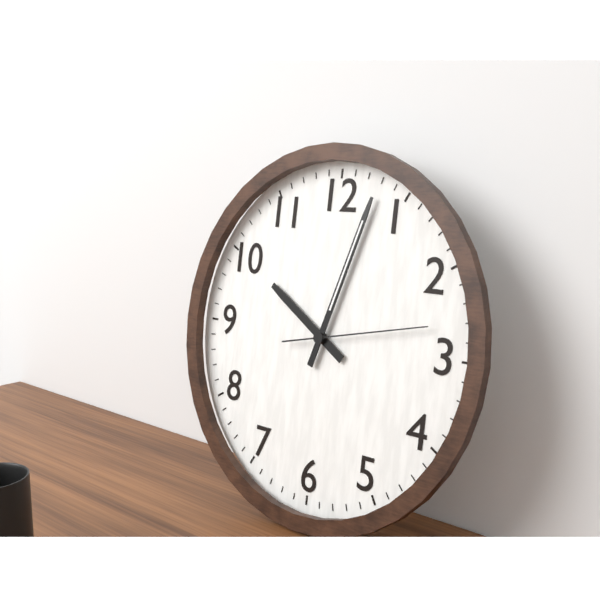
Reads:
10,03,13
